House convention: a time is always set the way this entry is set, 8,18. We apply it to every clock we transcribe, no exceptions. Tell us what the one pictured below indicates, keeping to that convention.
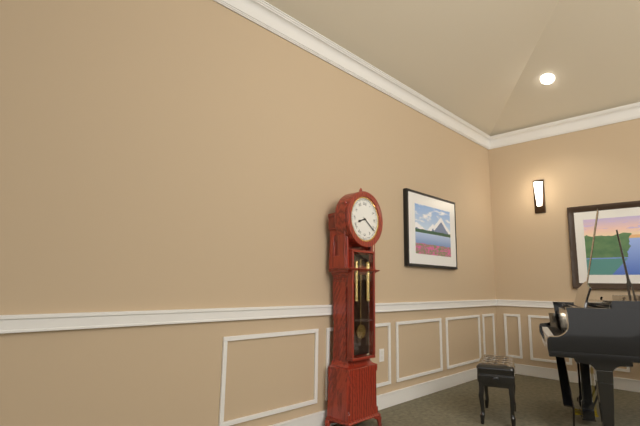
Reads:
8,21
